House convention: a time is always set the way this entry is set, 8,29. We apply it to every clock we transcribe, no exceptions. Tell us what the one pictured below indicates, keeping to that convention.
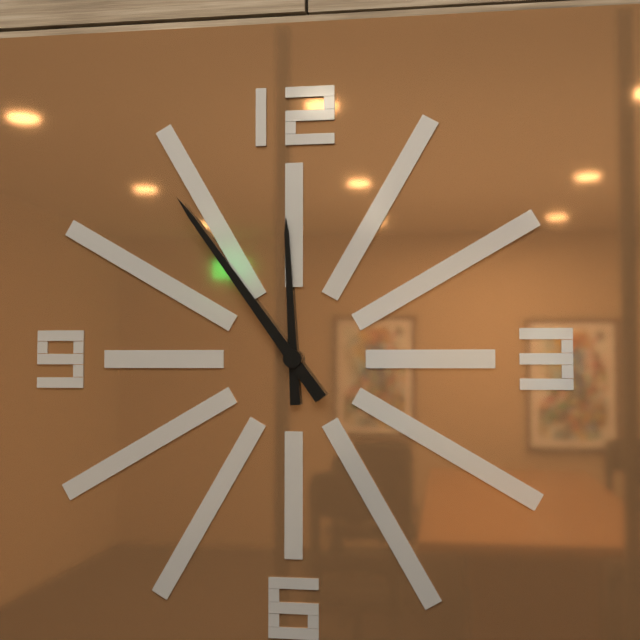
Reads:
11,54
